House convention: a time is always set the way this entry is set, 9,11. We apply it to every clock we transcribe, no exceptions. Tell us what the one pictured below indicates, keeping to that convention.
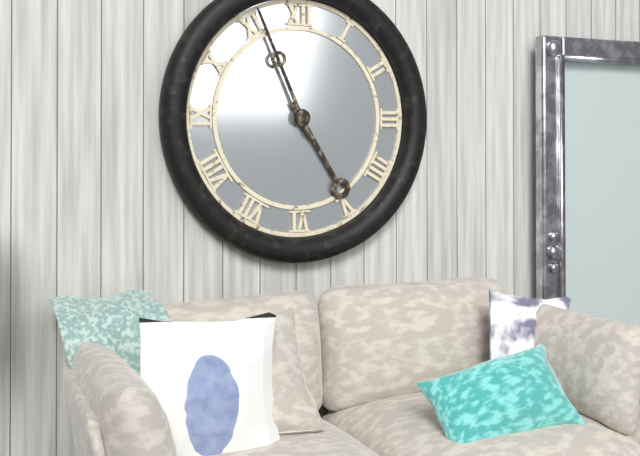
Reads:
4,56
